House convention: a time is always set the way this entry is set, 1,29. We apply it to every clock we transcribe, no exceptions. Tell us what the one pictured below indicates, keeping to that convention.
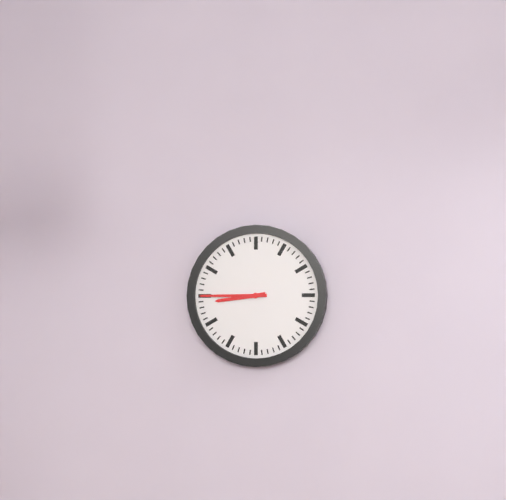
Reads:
8,45
